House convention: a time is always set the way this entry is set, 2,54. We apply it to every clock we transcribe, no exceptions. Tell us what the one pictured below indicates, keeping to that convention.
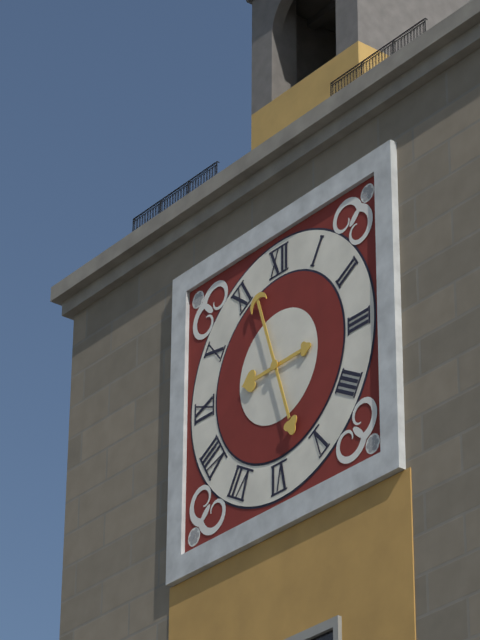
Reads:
8,57
